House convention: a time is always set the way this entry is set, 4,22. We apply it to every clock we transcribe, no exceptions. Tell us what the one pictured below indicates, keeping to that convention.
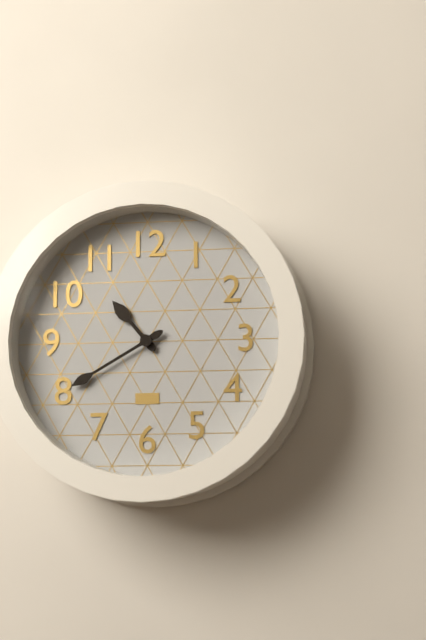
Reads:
10,40
